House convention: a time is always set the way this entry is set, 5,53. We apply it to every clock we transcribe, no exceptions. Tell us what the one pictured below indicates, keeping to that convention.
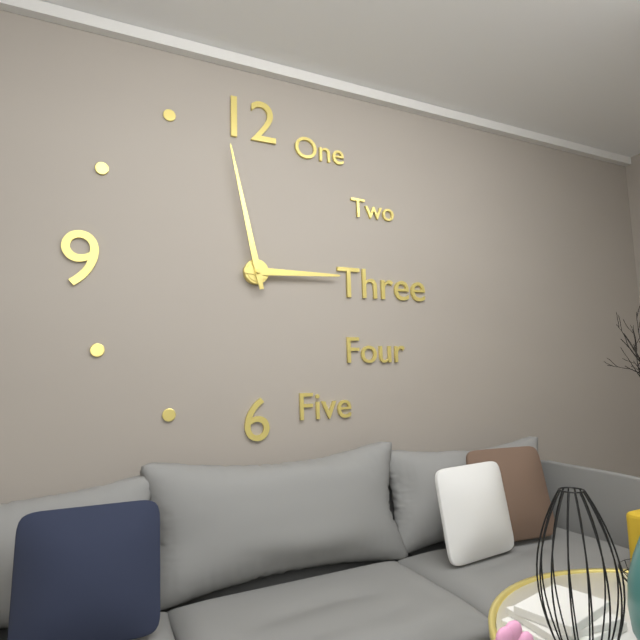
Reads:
2,58
